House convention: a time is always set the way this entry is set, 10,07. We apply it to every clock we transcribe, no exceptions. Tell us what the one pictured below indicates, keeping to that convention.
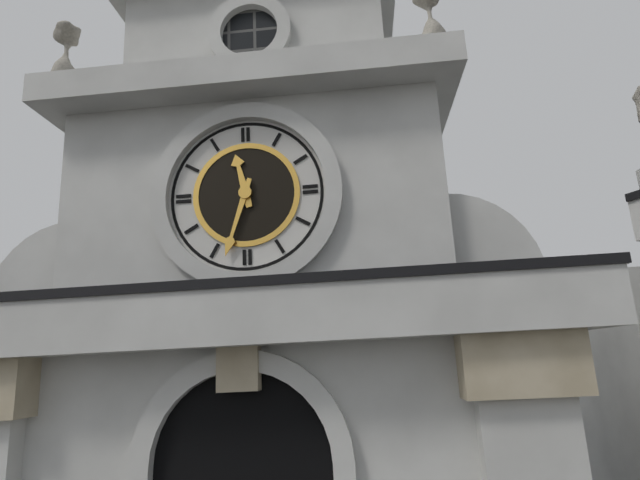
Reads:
11,33
